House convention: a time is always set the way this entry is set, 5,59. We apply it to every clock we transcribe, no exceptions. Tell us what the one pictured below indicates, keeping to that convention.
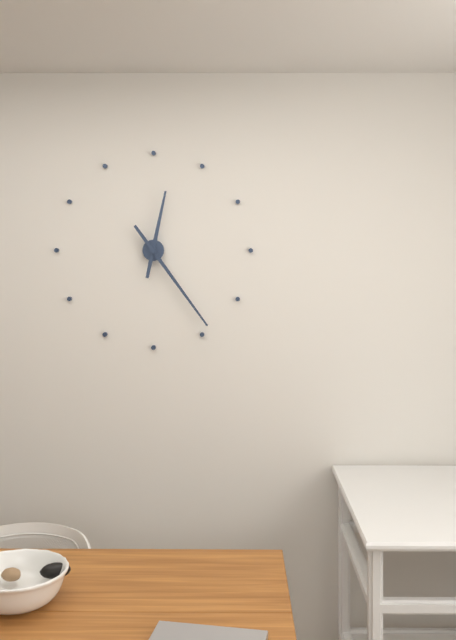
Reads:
12,24
